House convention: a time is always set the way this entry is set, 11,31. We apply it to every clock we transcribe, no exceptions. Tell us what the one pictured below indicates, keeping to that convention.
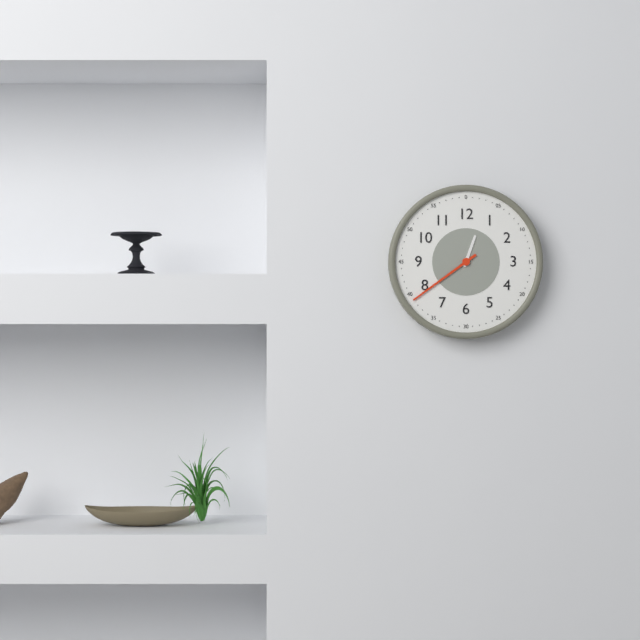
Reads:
12,39
